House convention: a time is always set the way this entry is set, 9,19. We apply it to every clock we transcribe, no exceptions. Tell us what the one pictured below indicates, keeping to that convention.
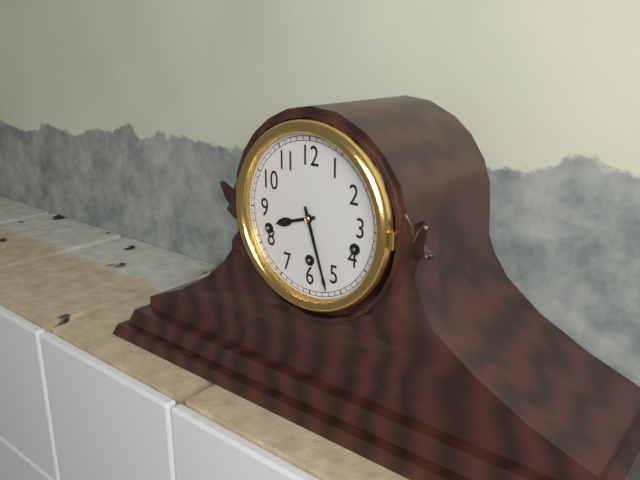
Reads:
8,27
